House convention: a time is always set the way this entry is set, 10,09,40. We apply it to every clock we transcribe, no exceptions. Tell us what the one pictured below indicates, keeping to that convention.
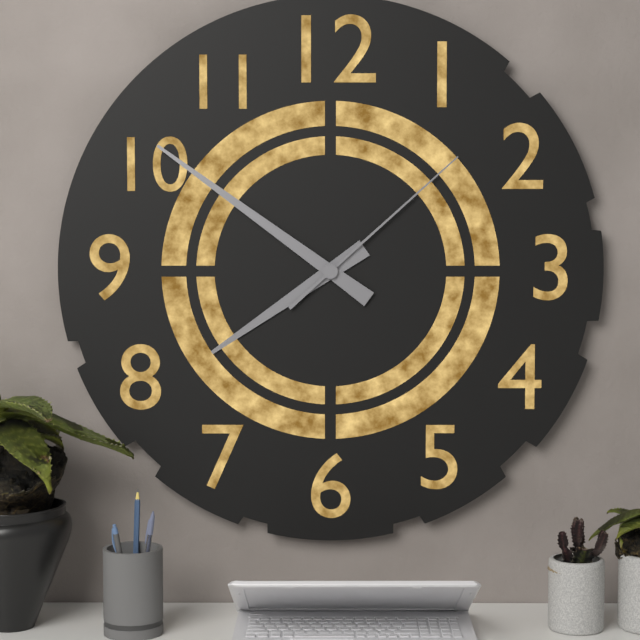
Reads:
7,51,08
